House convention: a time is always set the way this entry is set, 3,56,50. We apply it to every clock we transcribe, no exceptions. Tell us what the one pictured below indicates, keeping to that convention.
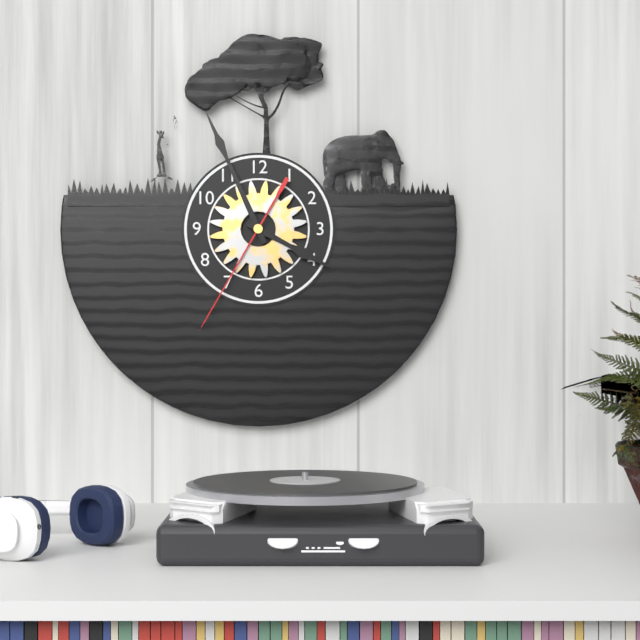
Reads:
3,56,35
